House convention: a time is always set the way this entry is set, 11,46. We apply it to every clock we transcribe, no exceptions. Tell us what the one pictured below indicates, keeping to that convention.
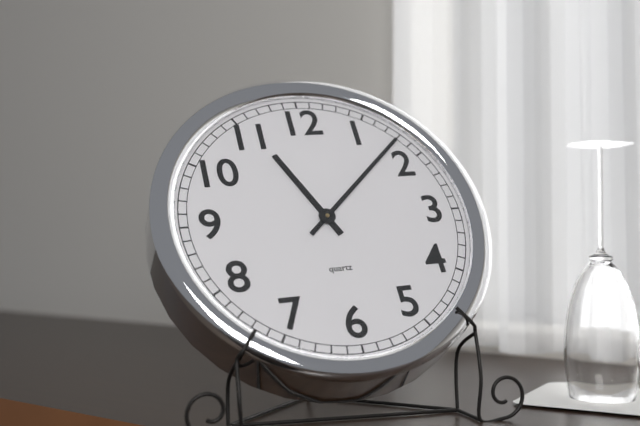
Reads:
11,08
